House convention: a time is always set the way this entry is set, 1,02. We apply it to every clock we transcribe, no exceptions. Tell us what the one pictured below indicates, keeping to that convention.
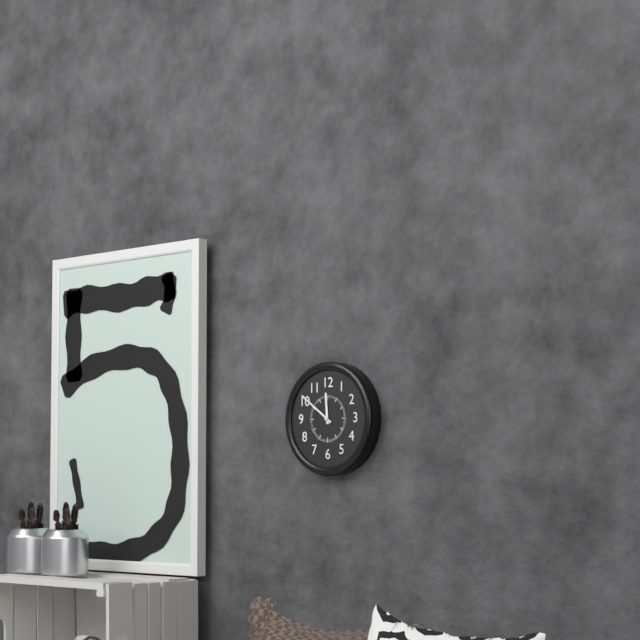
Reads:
11,51
